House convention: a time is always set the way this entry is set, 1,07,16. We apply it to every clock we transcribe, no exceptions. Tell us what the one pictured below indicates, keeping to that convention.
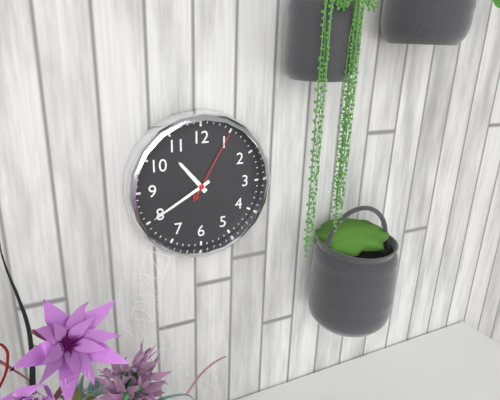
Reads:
10,40,05
